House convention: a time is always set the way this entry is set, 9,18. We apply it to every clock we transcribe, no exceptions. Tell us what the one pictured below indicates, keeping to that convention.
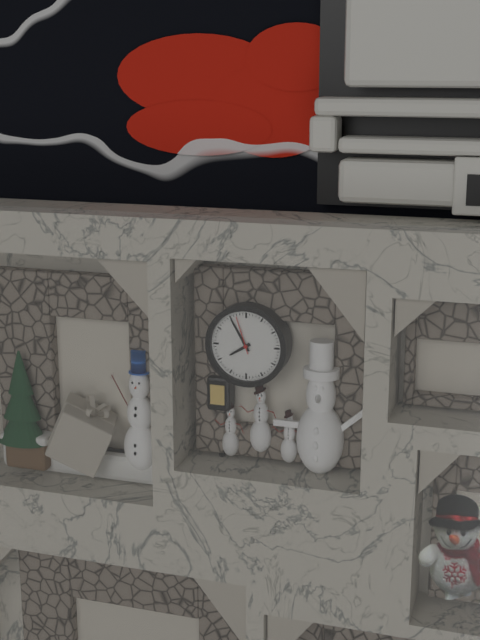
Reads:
7,55
